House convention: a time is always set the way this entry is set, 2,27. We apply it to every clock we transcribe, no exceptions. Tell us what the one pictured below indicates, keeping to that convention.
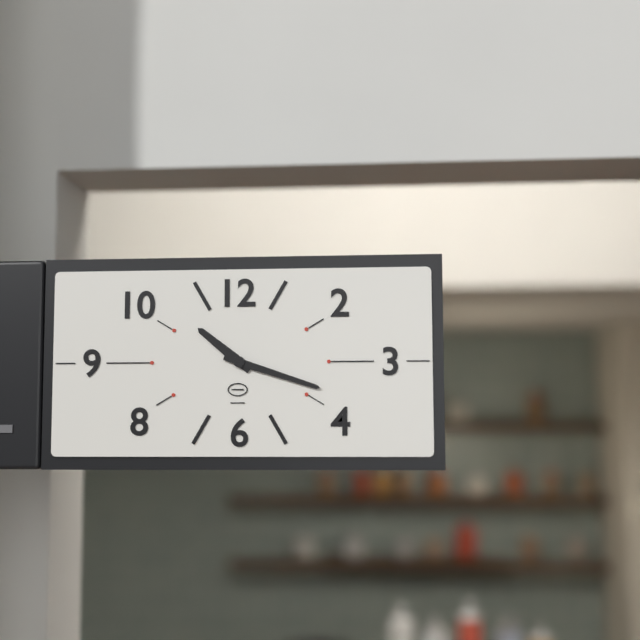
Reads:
10,18
